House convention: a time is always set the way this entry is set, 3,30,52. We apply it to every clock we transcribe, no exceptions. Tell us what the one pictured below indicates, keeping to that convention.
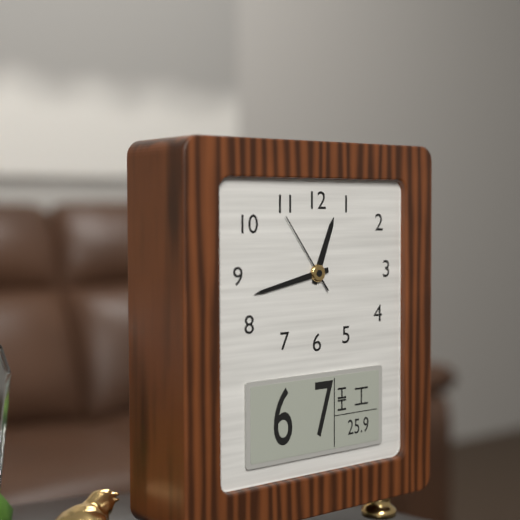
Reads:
12,43,54
